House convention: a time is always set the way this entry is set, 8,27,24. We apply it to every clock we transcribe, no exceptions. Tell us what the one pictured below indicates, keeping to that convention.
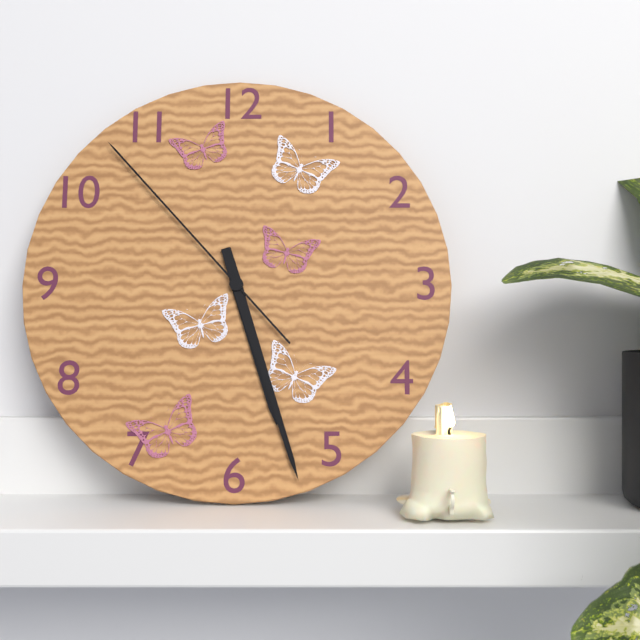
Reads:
5,27,53
